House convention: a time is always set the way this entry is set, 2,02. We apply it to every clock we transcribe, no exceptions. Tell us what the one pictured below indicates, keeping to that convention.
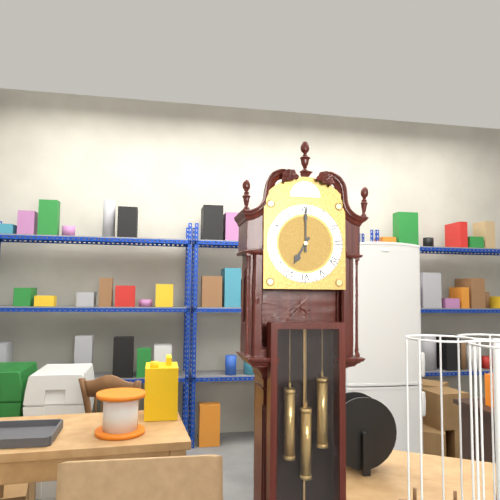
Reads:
7,00
